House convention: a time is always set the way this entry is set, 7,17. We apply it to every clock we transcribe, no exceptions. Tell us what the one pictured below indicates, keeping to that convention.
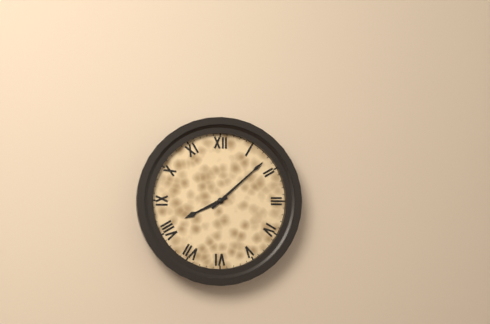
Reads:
8,08
